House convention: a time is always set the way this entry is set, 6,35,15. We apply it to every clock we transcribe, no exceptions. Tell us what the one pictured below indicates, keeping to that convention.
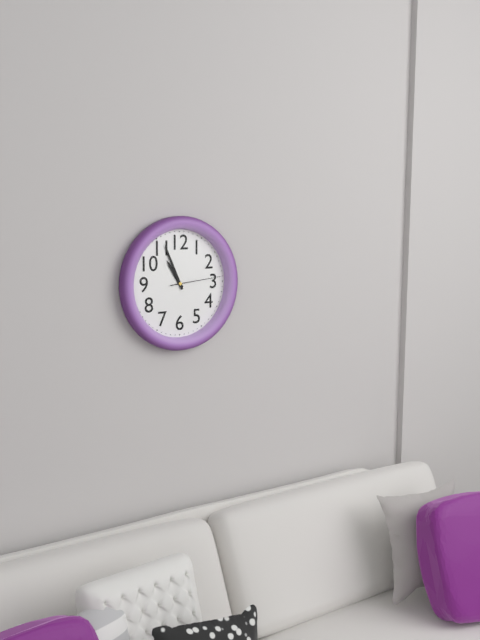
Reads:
10,56,14
